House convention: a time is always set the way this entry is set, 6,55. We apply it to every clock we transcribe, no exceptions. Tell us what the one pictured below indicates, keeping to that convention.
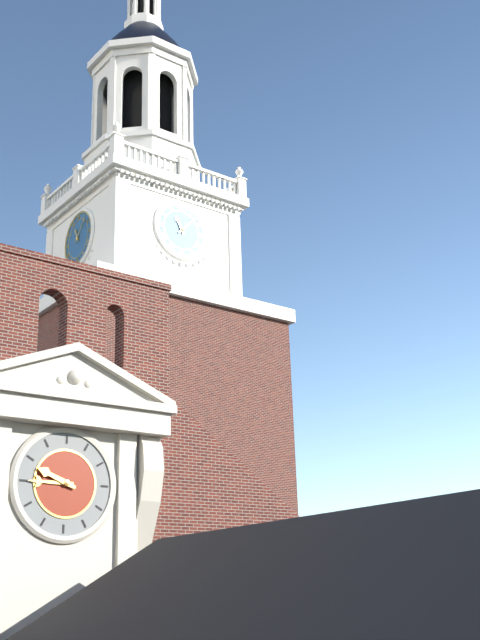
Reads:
11,07
